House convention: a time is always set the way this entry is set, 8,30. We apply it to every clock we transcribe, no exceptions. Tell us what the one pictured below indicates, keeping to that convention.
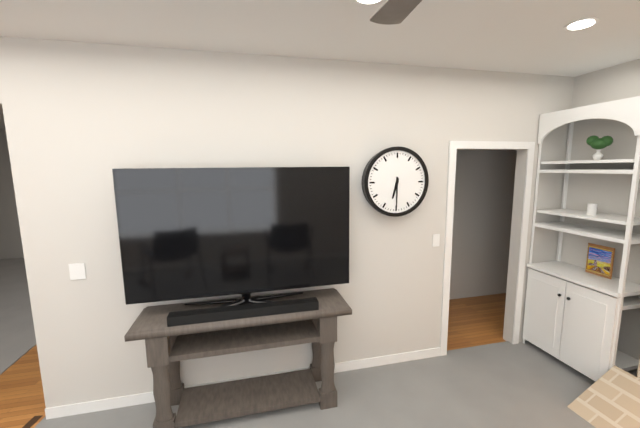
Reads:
6,30
